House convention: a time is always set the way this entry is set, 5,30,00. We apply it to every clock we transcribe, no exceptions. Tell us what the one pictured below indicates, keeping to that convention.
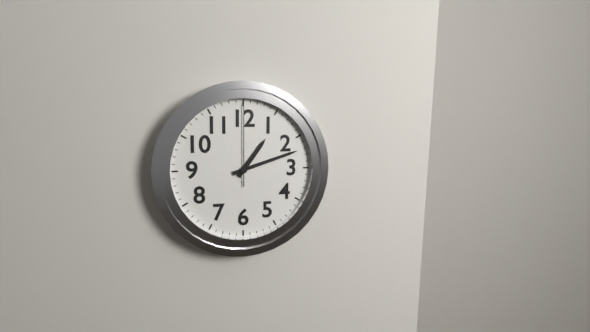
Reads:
1,12,00
